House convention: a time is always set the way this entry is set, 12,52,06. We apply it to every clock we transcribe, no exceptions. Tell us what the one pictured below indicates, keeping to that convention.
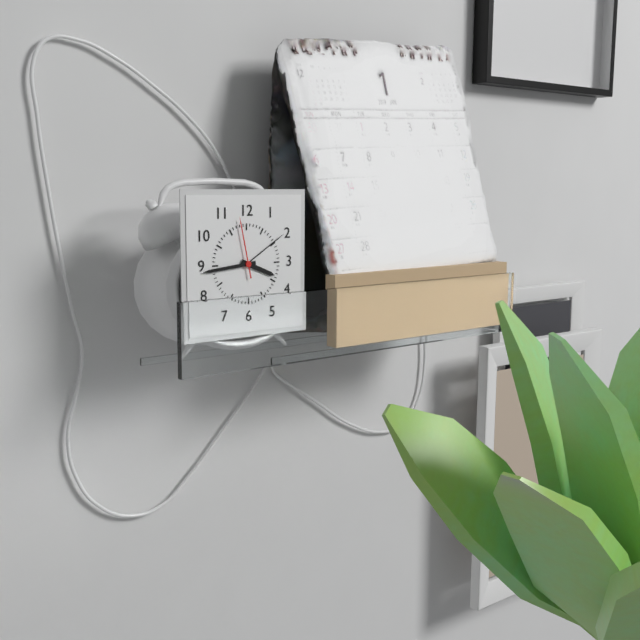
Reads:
3,44,58
